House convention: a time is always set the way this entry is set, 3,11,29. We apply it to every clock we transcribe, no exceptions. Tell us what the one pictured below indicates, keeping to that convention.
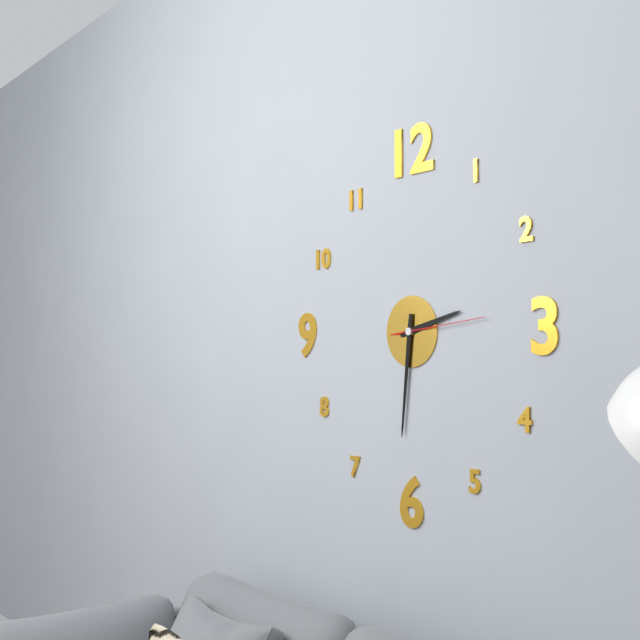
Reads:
2,31,14
